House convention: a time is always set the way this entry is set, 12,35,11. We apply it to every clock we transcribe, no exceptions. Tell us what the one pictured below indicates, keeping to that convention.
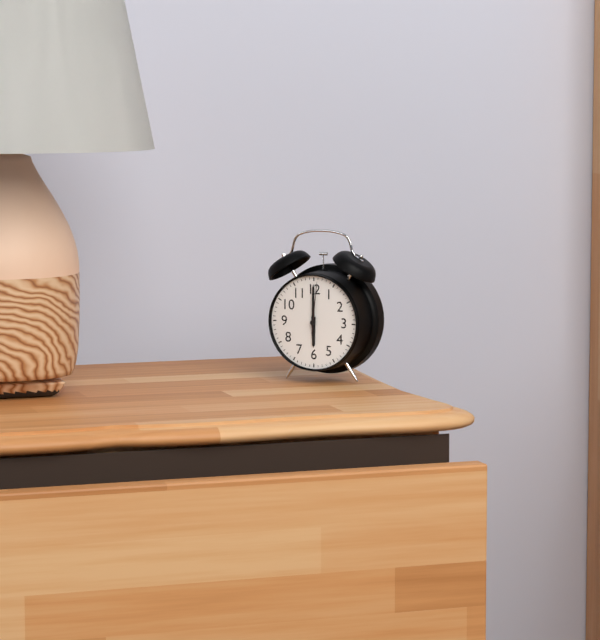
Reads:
6,00,01
